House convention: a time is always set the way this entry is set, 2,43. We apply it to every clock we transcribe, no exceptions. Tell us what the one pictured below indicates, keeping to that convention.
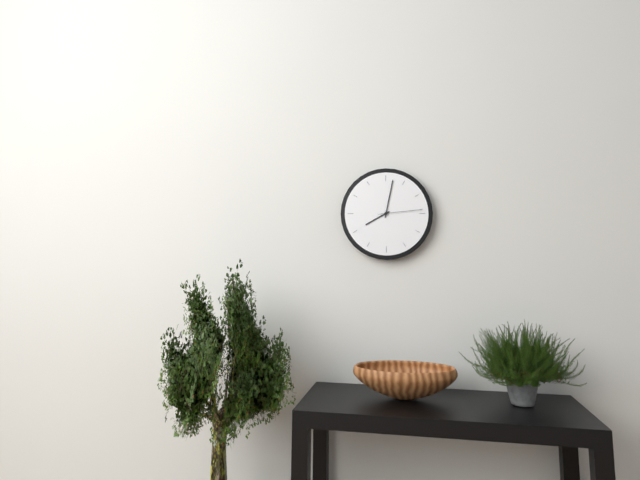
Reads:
8,02
